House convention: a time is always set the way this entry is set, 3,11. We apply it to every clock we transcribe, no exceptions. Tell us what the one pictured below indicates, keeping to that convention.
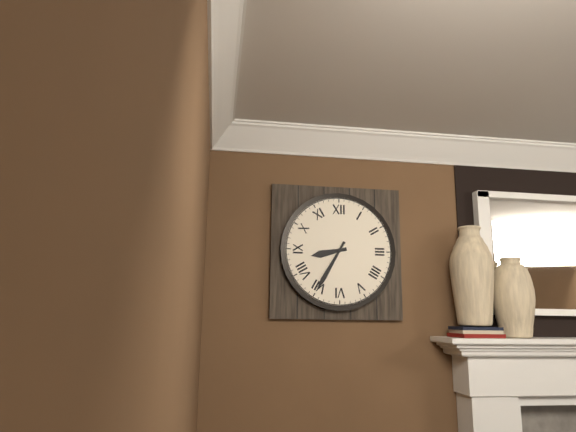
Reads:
8,35
